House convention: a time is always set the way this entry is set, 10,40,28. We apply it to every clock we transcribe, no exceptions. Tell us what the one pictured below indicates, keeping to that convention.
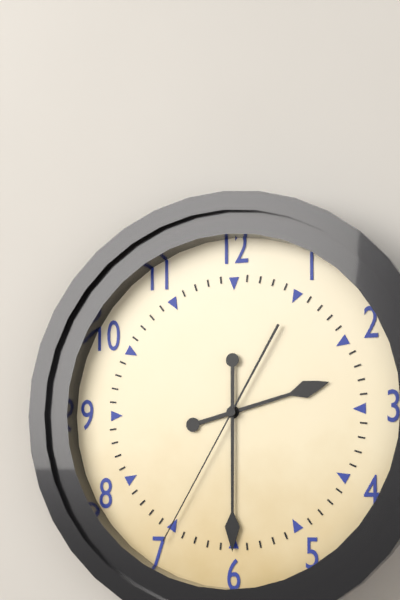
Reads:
2,30,35
